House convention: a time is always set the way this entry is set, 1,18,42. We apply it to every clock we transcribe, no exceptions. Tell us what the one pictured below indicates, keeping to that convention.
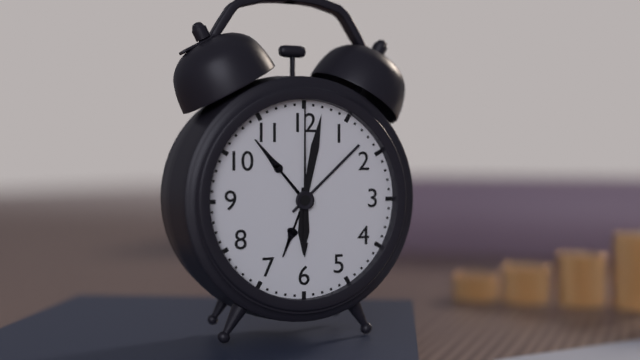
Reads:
6,02,00
